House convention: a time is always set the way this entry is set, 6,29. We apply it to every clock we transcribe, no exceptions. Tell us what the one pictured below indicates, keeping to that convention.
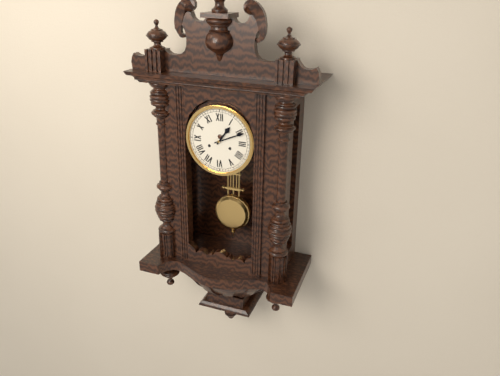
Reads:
1,11
